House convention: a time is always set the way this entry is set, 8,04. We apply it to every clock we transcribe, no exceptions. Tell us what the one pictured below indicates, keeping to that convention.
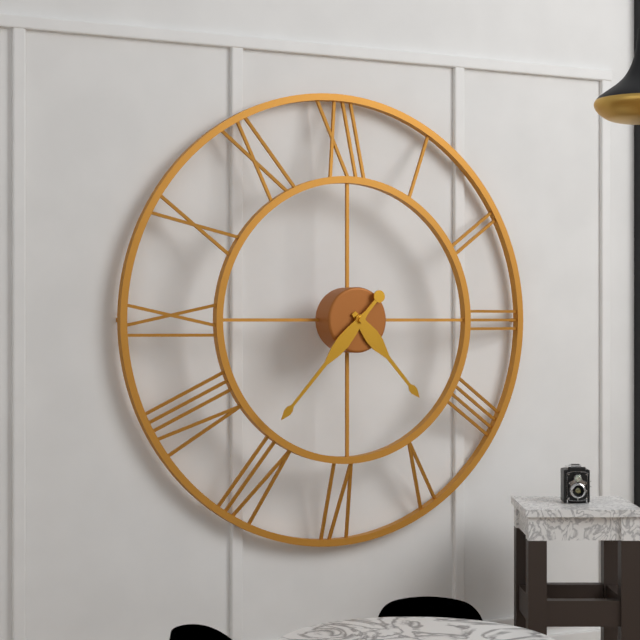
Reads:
4,37
